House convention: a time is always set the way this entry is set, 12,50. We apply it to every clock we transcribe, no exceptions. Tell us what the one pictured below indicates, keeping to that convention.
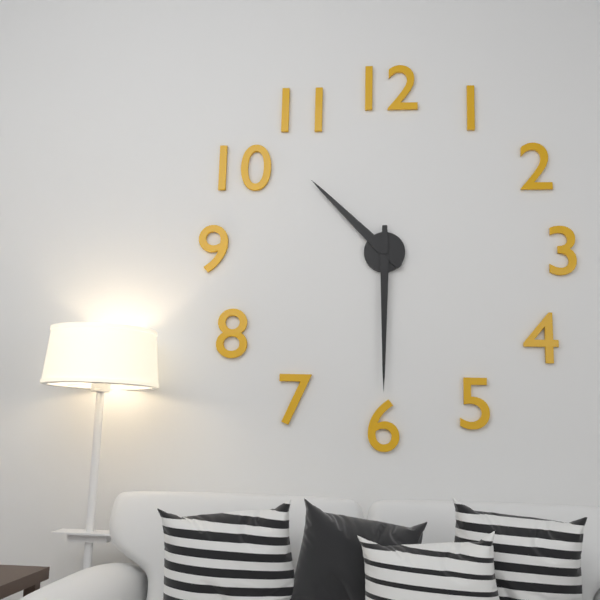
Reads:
10,30
